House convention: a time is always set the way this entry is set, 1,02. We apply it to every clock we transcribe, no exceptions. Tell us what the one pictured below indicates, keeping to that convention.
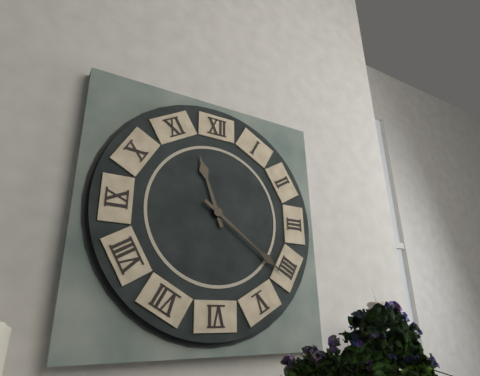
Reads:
11,21
